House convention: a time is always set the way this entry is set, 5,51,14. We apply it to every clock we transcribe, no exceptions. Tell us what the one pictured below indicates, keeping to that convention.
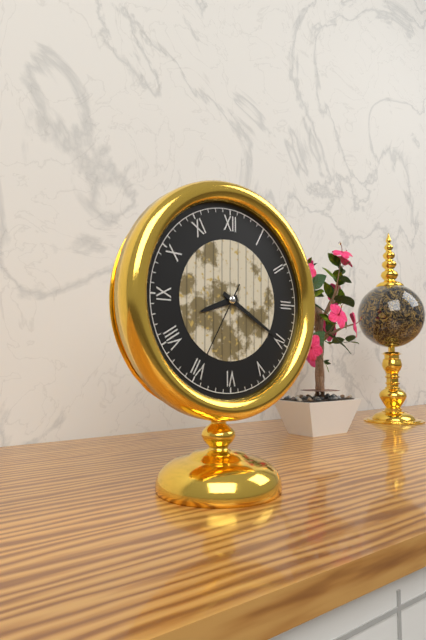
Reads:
8,20,35
